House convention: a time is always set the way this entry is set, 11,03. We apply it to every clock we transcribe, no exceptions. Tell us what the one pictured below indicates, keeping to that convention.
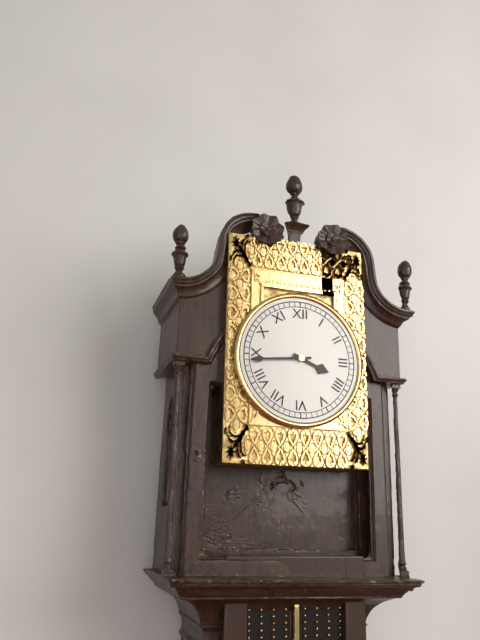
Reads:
3,44
